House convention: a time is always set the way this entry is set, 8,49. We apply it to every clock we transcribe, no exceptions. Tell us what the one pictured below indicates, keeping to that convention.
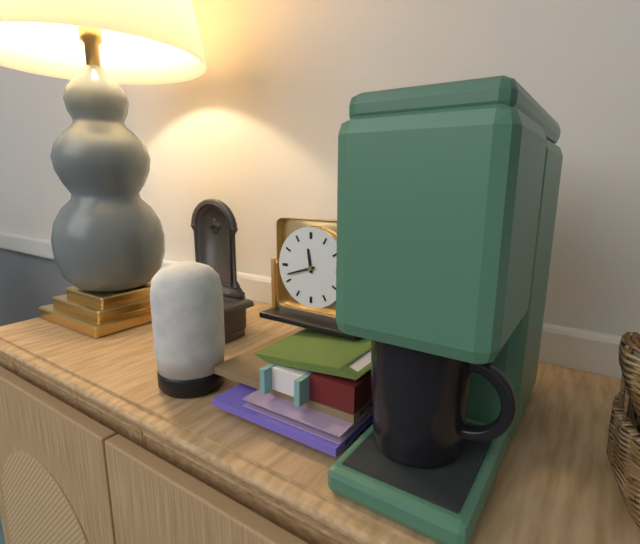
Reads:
11,42
